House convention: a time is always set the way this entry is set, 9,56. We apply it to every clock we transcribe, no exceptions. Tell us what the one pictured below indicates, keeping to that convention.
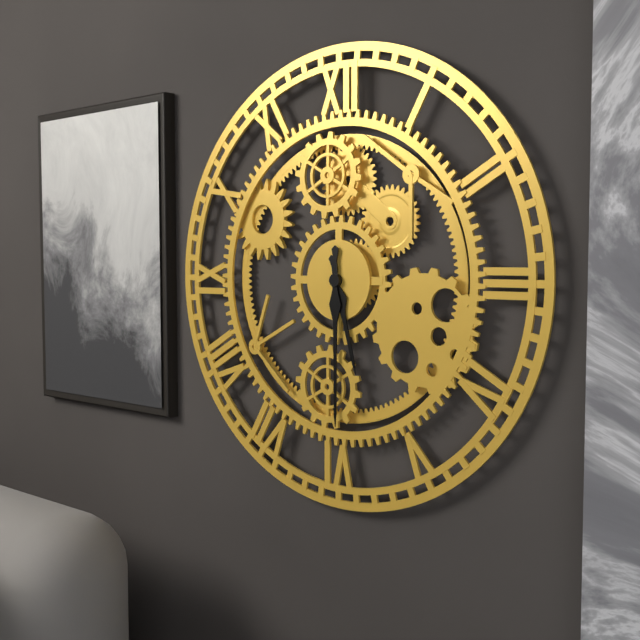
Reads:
5,30
